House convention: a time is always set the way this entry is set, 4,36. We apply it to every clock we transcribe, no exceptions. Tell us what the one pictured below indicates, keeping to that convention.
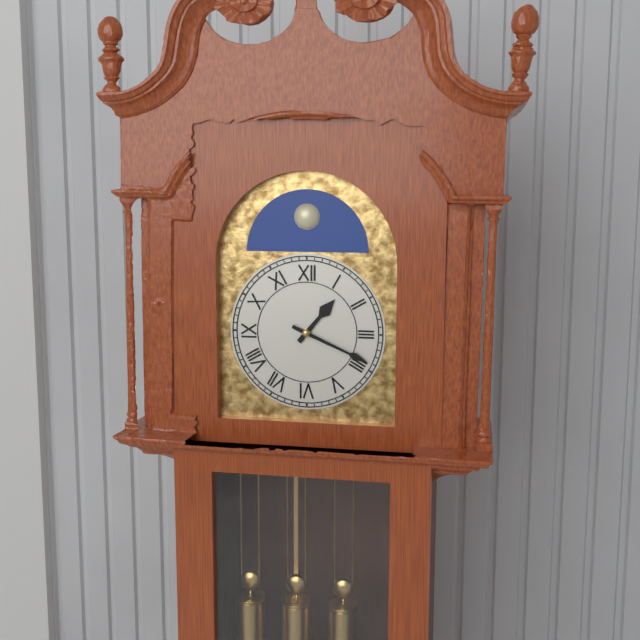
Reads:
1,19
